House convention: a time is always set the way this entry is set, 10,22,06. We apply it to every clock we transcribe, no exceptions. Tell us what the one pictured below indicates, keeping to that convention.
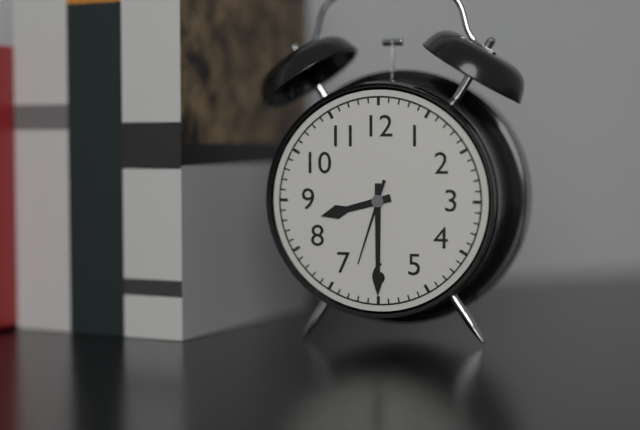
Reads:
8,30,33
